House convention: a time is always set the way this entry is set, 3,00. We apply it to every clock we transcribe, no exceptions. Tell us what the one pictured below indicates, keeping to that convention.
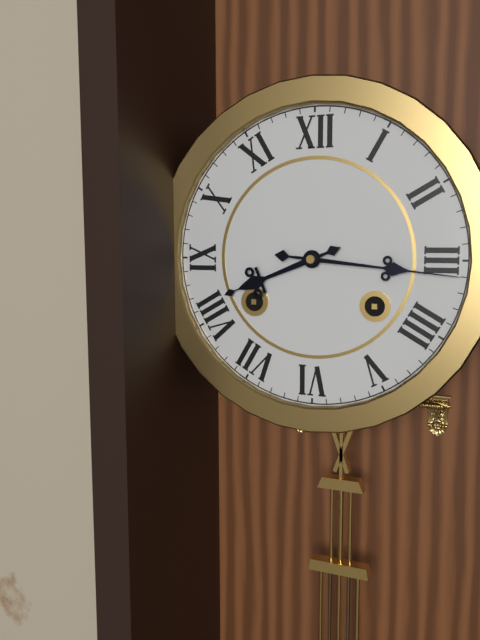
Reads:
8,16
